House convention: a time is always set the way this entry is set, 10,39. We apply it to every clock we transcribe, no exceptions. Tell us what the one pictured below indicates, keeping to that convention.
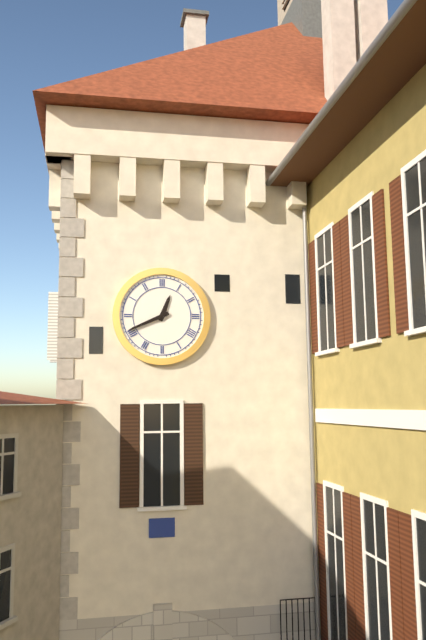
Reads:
12,41
